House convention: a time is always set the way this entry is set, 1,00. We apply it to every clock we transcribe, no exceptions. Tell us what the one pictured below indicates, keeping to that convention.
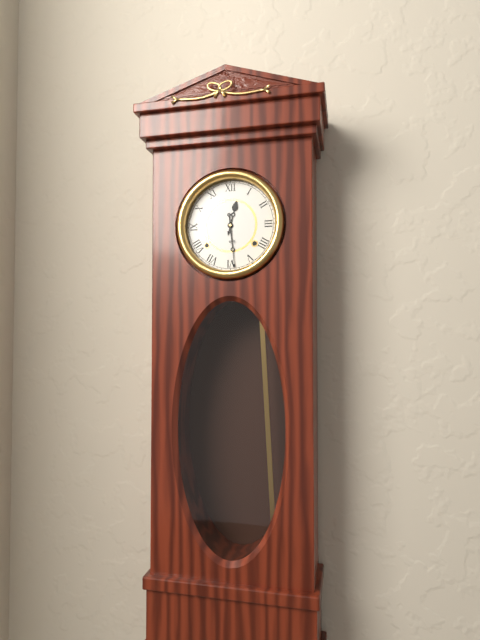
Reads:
12,29
